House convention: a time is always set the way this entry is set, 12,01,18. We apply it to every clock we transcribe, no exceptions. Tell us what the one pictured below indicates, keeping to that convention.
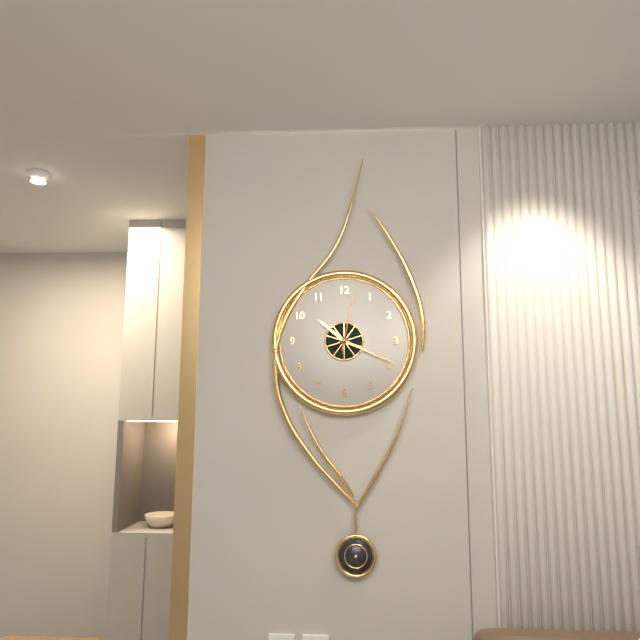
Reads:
10,19,02
